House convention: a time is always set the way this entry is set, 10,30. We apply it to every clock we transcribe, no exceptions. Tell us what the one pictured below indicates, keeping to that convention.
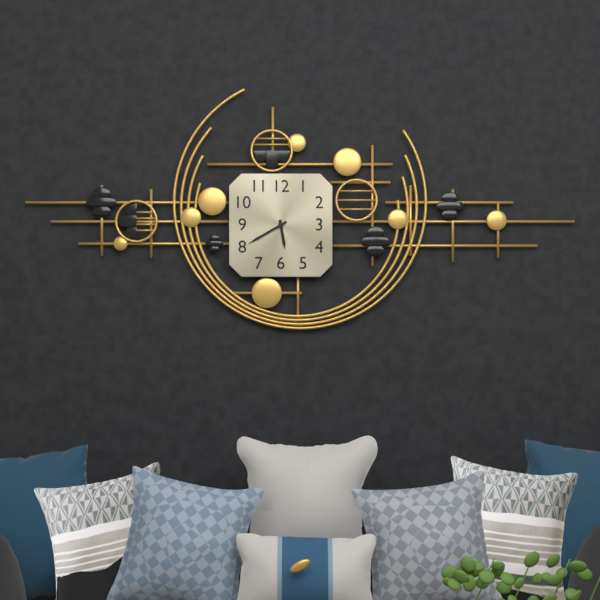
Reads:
5,40
